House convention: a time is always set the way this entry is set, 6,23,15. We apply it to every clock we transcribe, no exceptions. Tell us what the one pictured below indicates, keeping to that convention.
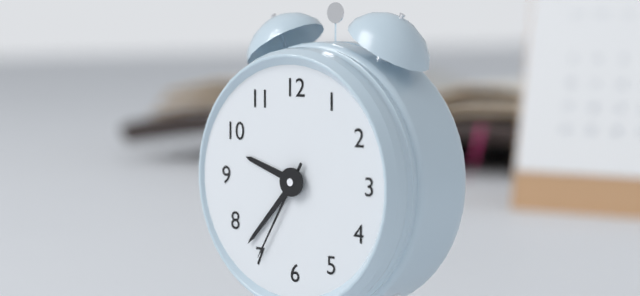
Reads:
9,37,35
